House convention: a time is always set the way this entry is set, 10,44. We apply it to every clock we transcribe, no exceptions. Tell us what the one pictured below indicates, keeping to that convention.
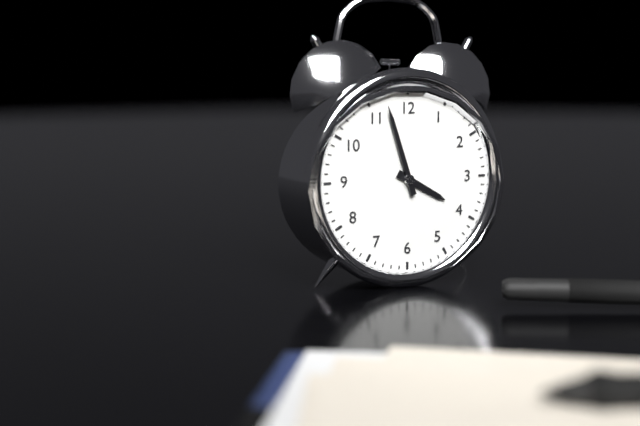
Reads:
3,57
